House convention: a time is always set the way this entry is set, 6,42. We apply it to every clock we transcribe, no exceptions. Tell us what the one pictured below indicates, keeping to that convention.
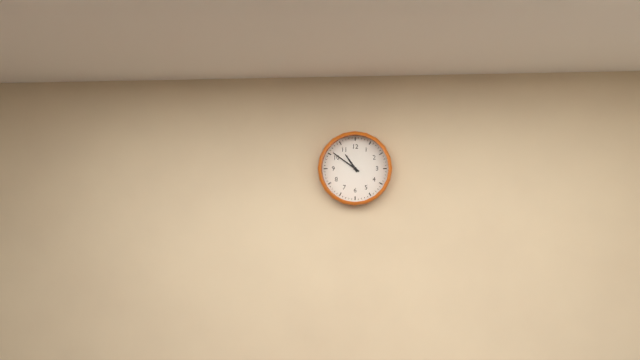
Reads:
10,51
